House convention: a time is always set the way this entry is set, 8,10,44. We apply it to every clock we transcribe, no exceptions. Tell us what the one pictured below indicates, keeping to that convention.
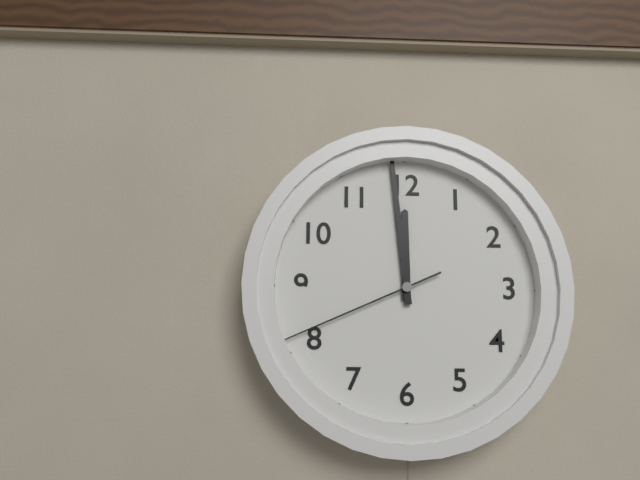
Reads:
11,59,41
